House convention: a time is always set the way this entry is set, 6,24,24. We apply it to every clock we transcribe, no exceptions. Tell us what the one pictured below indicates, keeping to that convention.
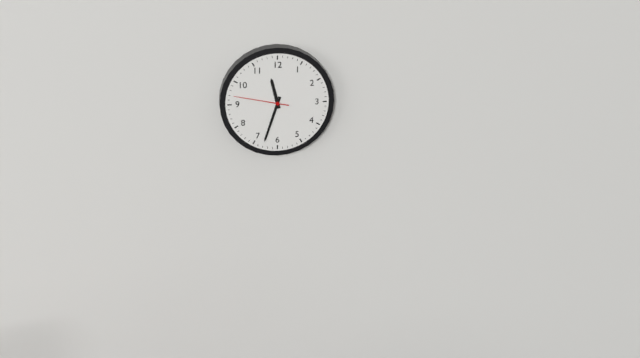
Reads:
11,33,47
